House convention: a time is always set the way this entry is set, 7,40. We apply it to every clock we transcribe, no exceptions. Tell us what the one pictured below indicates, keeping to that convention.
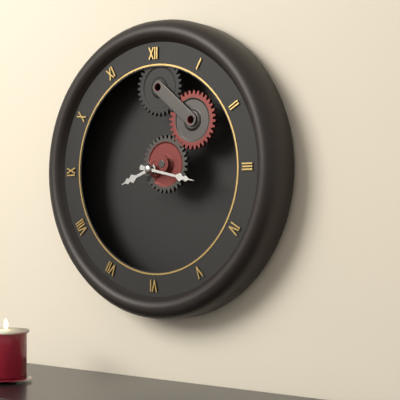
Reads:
8,17
